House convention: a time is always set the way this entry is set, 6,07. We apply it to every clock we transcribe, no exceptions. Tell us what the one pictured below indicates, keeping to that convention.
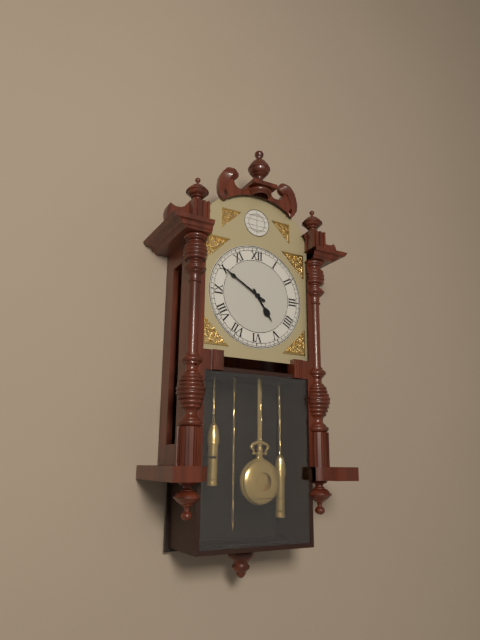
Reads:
4,50
